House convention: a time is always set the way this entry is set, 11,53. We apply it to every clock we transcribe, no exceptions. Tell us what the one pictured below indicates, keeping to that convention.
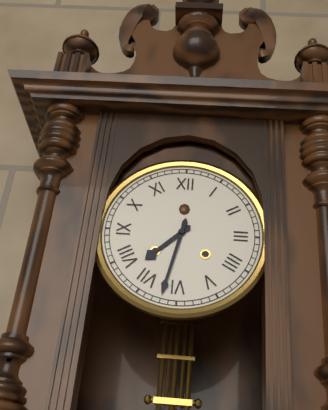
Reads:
7,32
